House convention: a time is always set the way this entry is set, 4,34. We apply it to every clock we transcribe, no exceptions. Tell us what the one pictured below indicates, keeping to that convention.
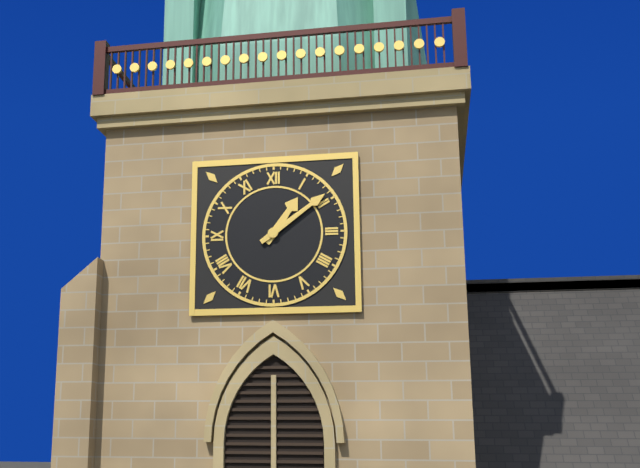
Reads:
1,09
